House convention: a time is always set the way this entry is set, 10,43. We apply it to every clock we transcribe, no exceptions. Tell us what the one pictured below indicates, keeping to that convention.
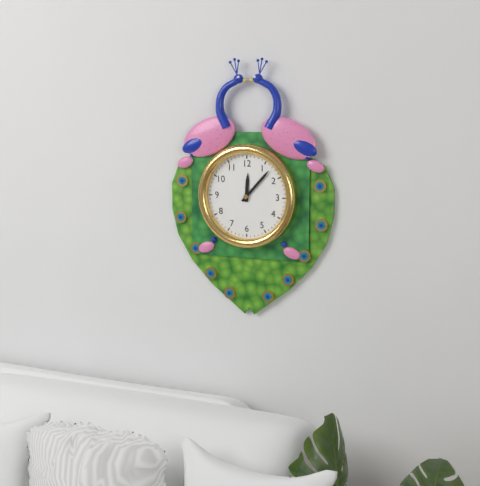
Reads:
12,07
